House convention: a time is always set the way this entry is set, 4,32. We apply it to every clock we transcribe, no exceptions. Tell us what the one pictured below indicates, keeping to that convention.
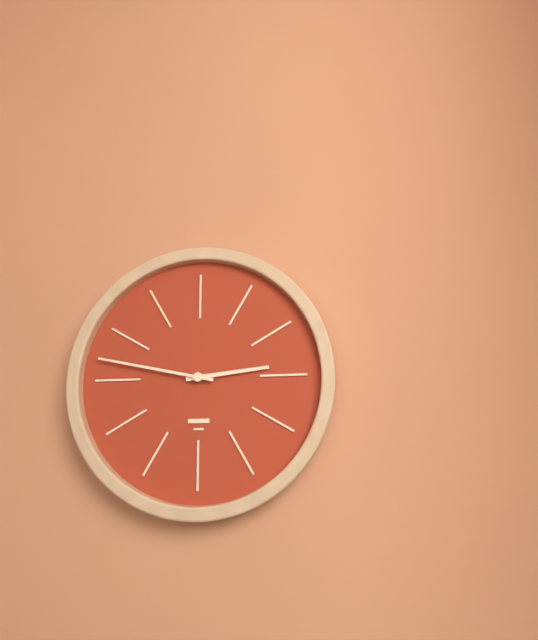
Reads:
2,47
